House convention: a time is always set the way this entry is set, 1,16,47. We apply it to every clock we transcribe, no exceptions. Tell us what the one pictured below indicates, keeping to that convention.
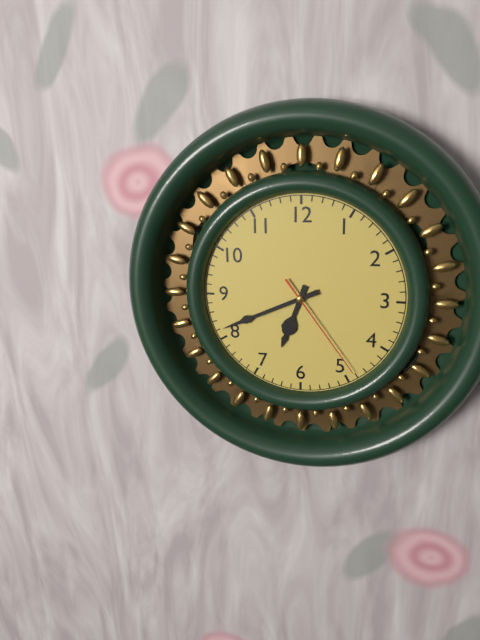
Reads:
6,41,24
